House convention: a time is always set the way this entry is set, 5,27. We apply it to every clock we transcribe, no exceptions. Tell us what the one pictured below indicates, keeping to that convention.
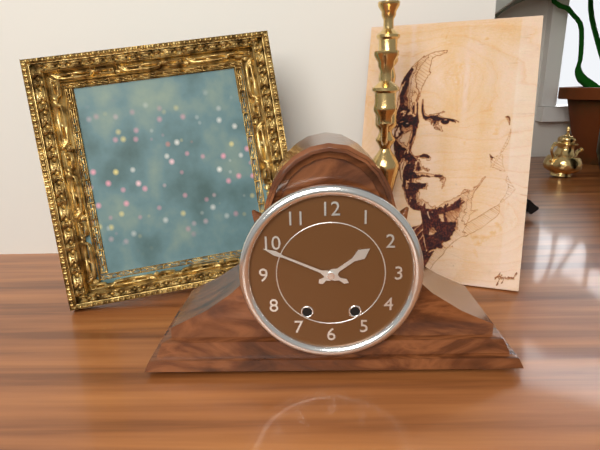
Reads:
1,49
